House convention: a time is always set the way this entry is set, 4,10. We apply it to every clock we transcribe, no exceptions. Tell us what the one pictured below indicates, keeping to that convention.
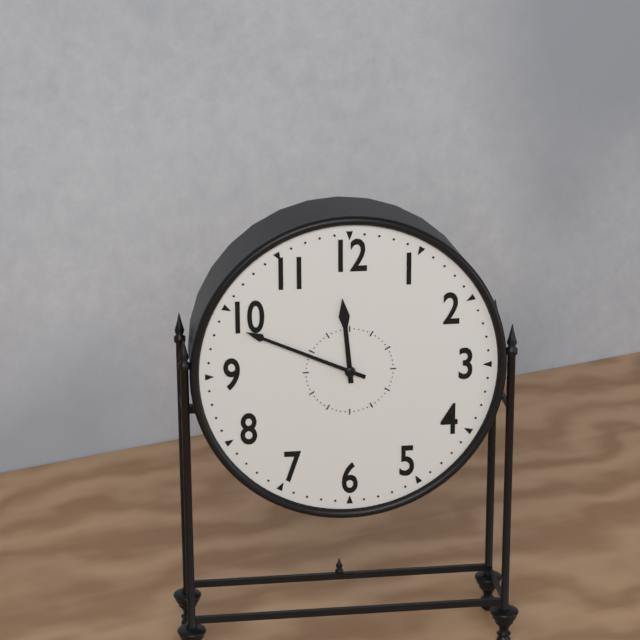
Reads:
11,49
